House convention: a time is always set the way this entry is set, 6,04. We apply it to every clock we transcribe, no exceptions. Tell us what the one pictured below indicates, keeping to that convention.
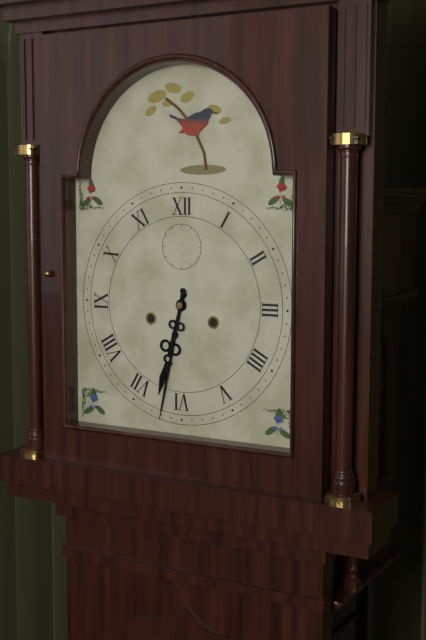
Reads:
6,32
